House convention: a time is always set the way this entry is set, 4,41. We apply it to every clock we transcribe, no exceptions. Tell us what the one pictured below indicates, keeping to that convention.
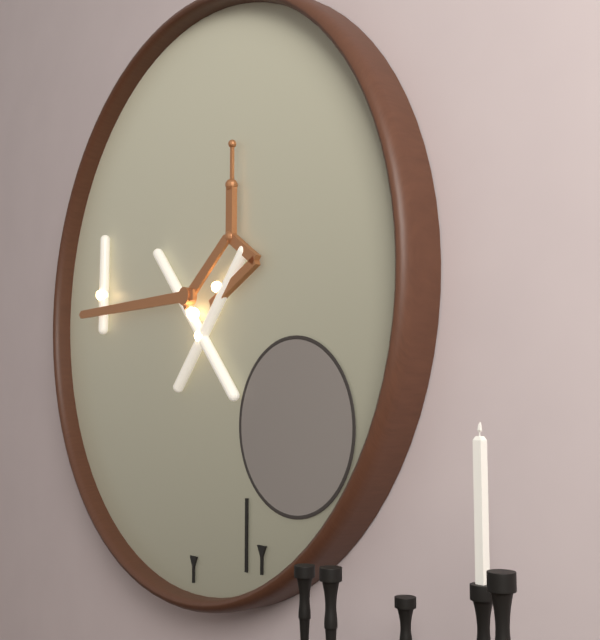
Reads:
1,45
